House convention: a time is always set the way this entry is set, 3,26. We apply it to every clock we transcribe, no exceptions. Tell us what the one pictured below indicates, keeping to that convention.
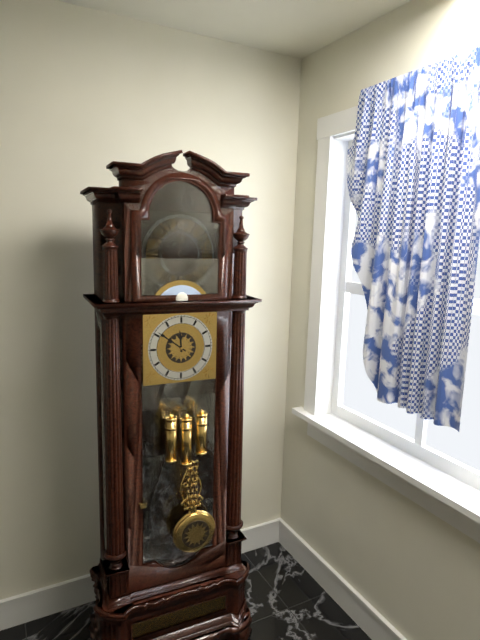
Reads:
11,51
